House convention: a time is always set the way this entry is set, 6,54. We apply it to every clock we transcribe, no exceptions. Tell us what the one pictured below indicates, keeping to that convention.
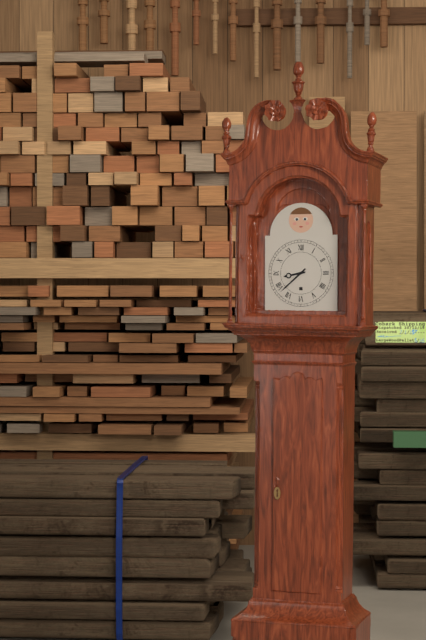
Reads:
8,38
